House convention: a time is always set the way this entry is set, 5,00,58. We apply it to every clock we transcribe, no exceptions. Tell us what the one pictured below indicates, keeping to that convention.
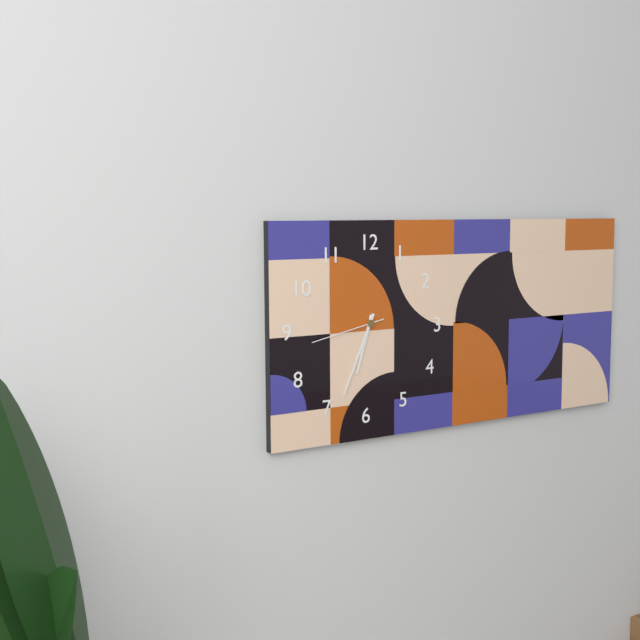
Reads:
6,34,43
